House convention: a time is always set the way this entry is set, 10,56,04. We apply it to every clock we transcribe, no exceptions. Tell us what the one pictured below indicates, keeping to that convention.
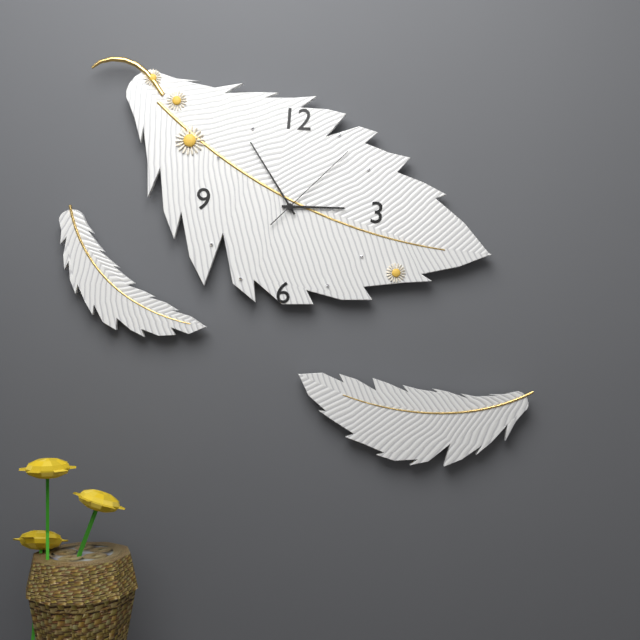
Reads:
2,54,07
